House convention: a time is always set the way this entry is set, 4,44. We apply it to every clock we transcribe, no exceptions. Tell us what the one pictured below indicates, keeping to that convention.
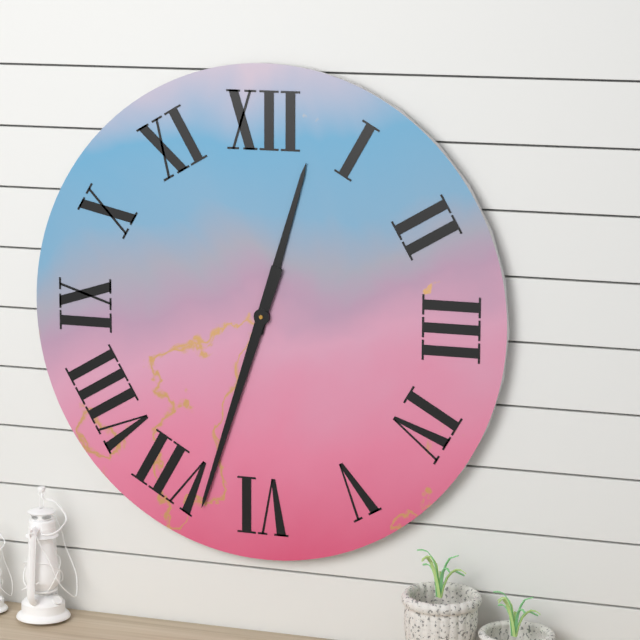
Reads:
12,33
